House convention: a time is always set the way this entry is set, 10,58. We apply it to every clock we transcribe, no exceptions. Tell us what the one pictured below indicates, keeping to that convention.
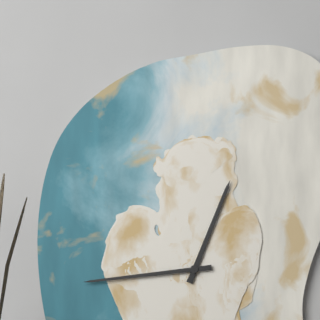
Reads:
12,44
